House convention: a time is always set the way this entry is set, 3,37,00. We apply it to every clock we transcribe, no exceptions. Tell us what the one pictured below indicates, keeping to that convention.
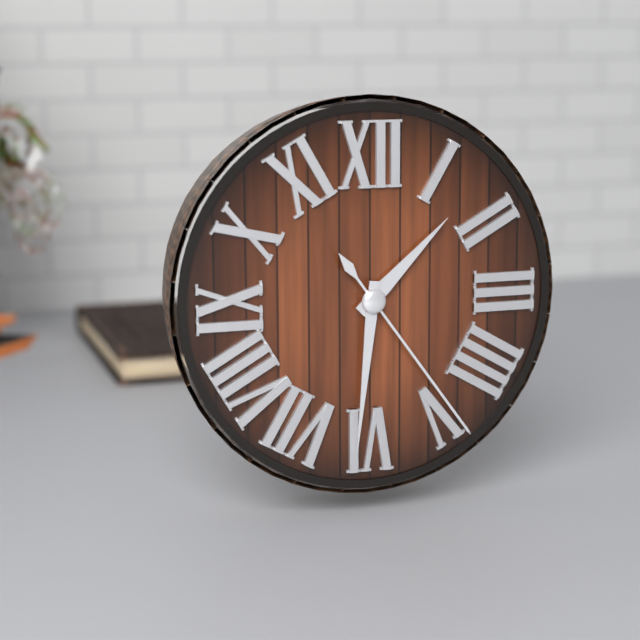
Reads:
1,31,24
